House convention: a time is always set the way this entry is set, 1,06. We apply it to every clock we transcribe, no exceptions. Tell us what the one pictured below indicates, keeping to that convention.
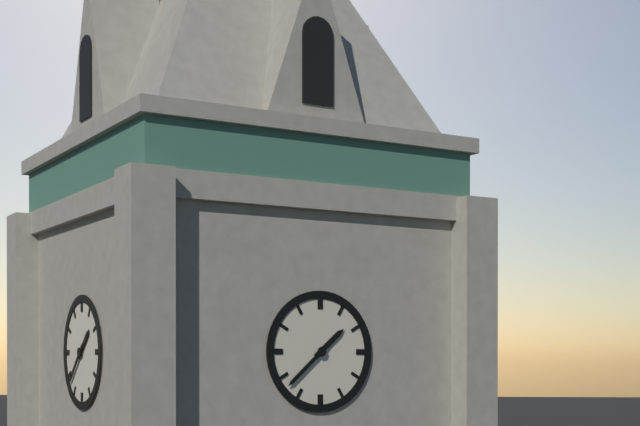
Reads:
1,38
